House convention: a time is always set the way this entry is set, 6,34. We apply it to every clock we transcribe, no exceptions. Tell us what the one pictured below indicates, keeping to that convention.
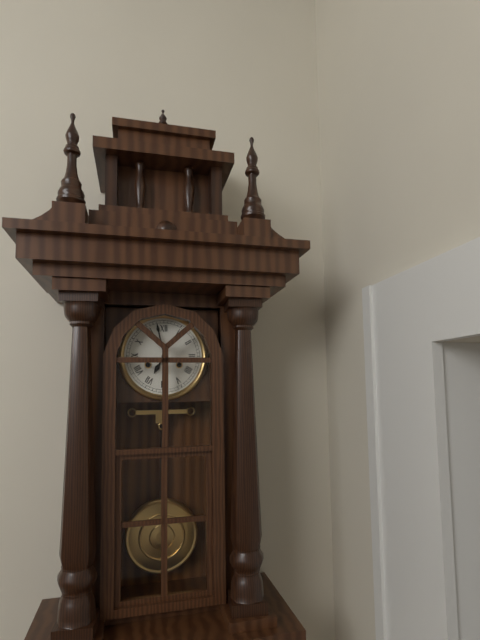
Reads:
6,58
